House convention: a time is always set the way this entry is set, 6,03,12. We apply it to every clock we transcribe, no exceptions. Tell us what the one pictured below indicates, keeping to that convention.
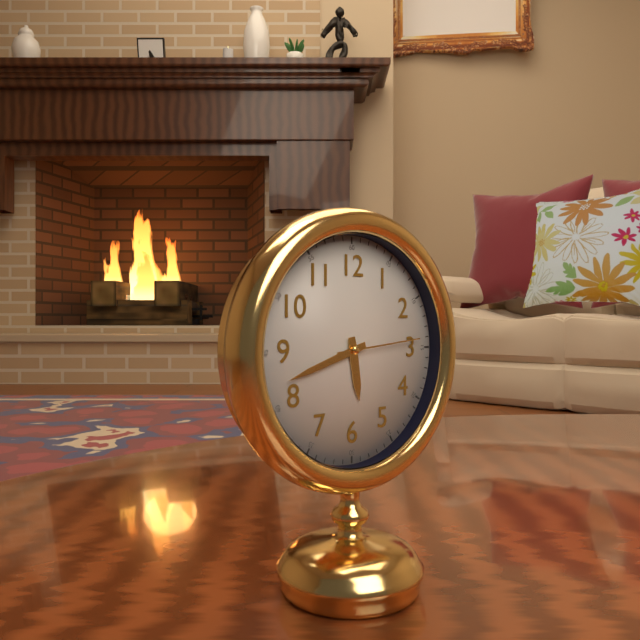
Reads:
5,42,14
